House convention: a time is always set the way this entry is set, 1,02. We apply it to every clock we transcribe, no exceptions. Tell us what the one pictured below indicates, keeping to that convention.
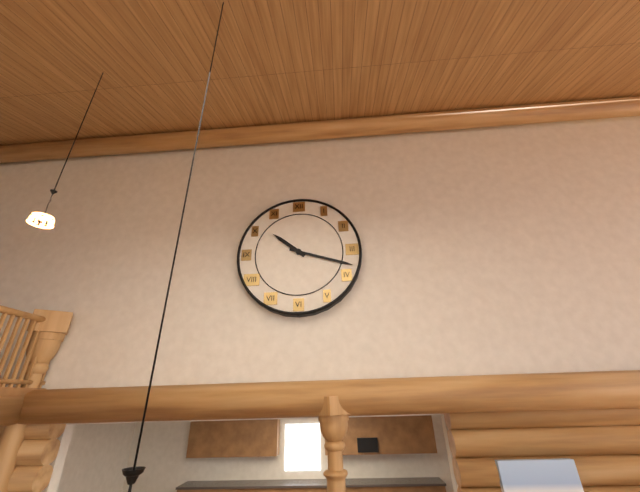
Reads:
10,18
